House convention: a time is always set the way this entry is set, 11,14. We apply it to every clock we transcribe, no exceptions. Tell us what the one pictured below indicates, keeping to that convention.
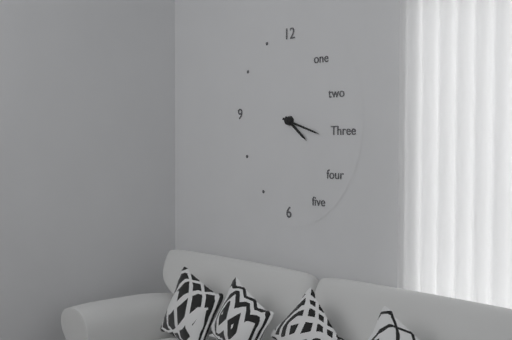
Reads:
4,18
